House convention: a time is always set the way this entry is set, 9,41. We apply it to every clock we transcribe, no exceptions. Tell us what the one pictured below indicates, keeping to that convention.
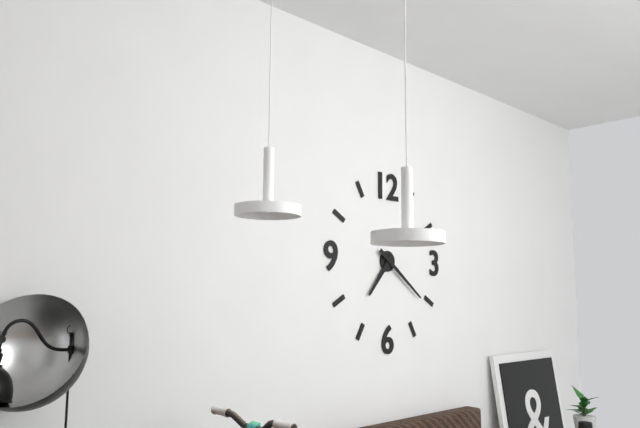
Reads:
7,21
